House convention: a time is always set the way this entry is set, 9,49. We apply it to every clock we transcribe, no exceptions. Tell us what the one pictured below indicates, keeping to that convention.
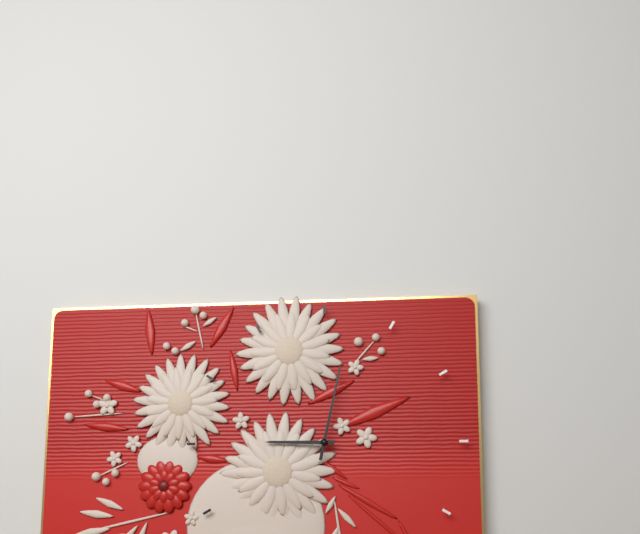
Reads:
9,02
